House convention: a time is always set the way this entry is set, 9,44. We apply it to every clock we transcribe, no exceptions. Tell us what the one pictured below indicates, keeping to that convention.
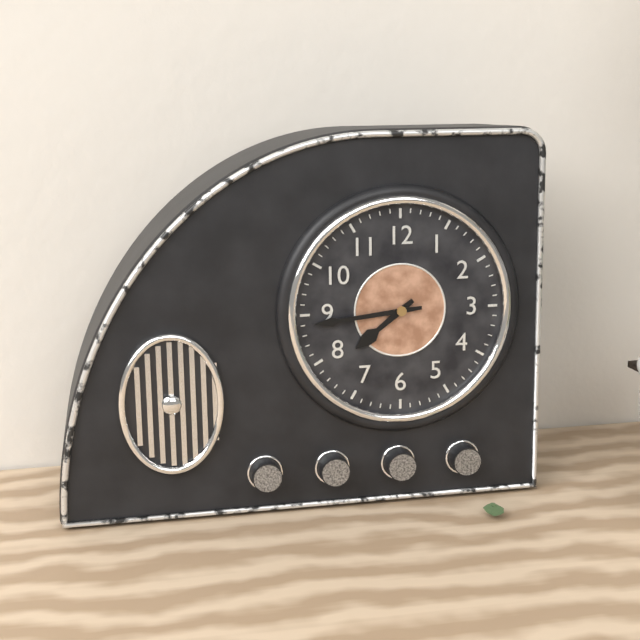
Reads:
7,44
